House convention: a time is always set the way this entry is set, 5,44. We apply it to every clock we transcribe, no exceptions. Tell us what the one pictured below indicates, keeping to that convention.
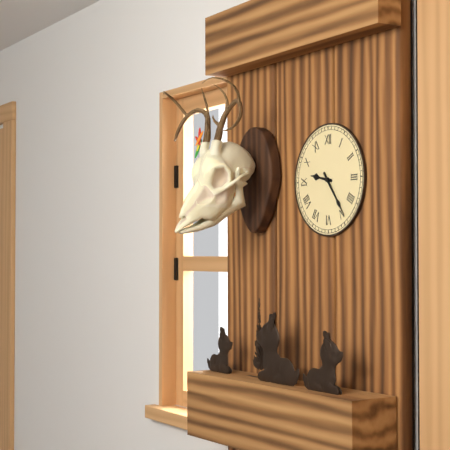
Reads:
9,24
